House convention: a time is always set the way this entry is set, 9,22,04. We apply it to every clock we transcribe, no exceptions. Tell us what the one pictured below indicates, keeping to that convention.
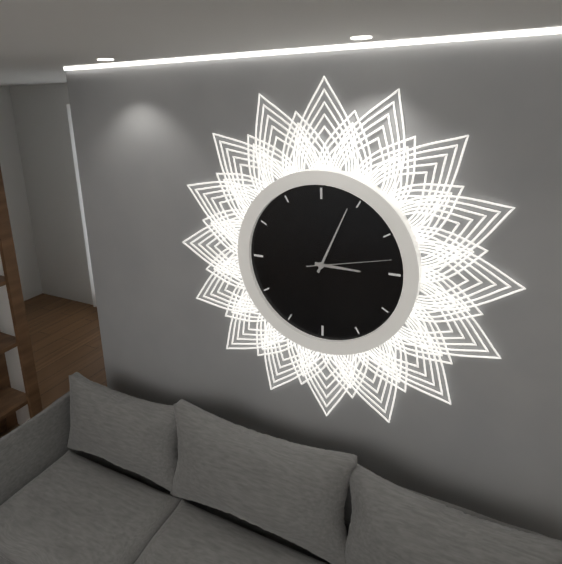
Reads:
3,04,13
